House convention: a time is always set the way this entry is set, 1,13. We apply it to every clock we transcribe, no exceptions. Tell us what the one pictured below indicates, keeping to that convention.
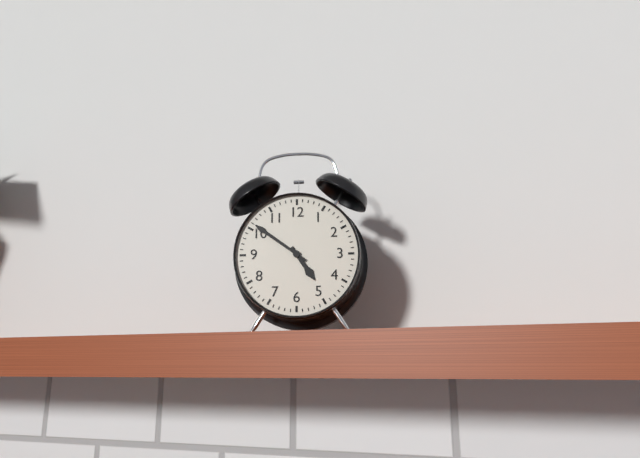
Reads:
4,51
